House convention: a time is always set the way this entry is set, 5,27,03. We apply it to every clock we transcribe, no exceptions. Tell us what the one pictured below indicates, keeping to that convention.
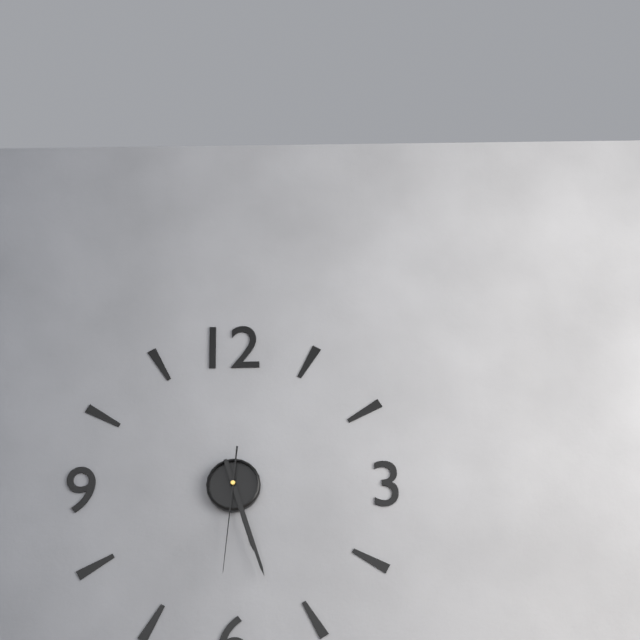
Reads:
5,27,31
